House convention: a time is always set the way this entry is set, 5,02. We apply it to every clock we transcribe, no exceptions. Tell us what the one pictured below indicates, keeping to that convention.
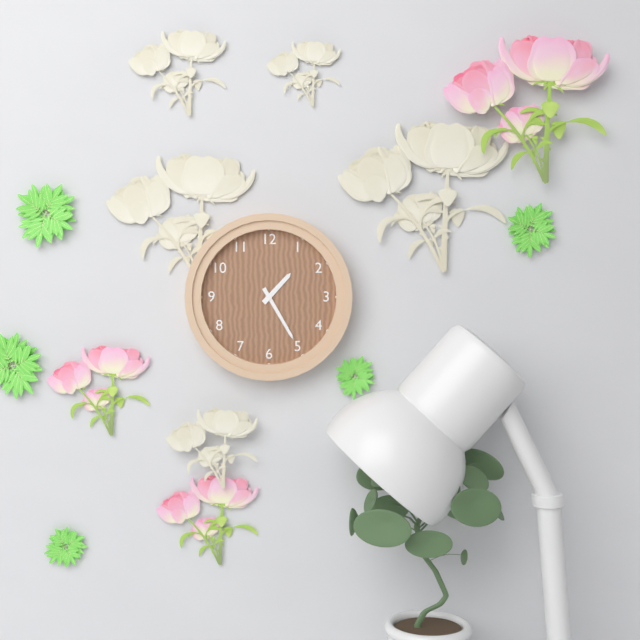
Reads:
1,25
